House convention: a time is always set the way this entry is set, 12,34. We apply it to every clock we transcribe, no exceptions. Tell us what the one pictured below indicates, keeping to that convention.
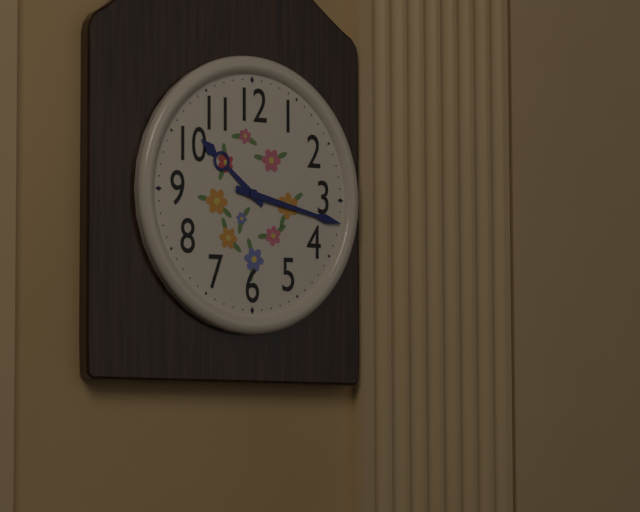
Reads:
10,17
